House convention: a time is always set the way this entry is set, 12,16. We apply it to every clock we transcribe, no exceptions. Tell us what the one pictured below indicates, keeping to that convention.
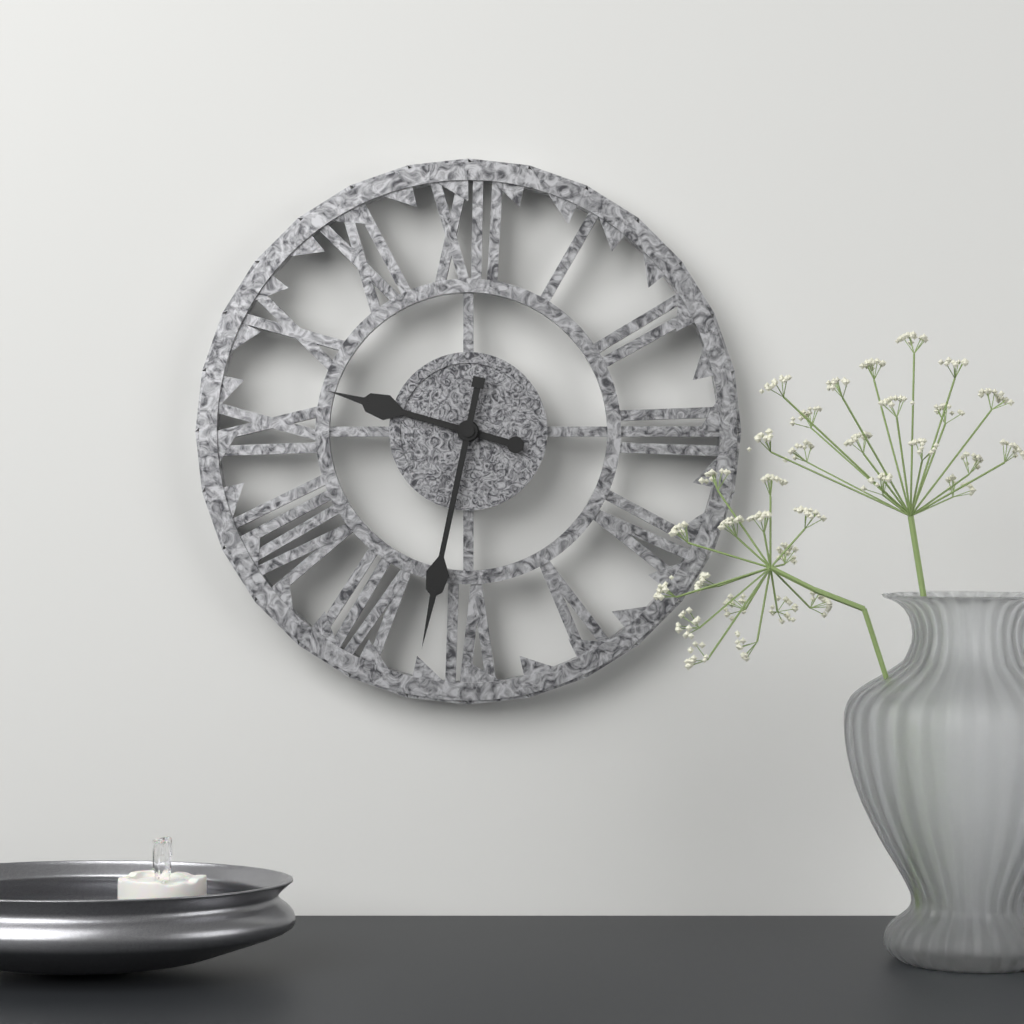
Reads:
9,32
